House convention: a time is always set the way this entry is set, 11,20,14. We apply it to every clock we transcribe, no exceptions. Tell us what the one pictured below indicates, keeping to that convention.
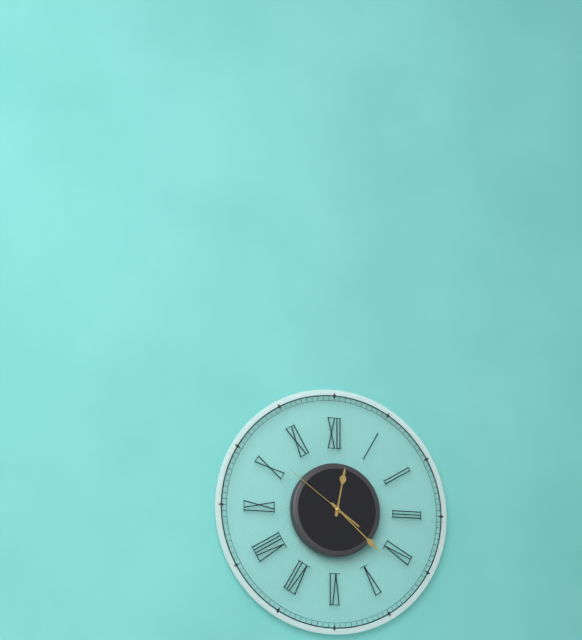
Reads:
12,22,51
